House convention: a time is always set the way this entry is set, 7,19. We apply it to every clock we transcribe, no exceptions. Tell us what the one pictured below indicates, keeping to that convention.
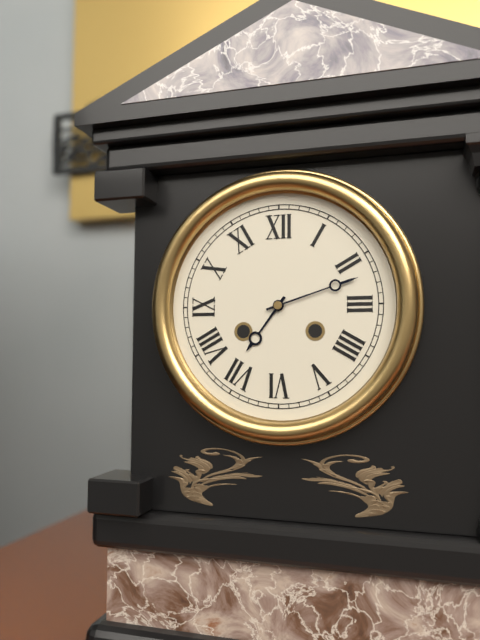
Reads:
7,12
